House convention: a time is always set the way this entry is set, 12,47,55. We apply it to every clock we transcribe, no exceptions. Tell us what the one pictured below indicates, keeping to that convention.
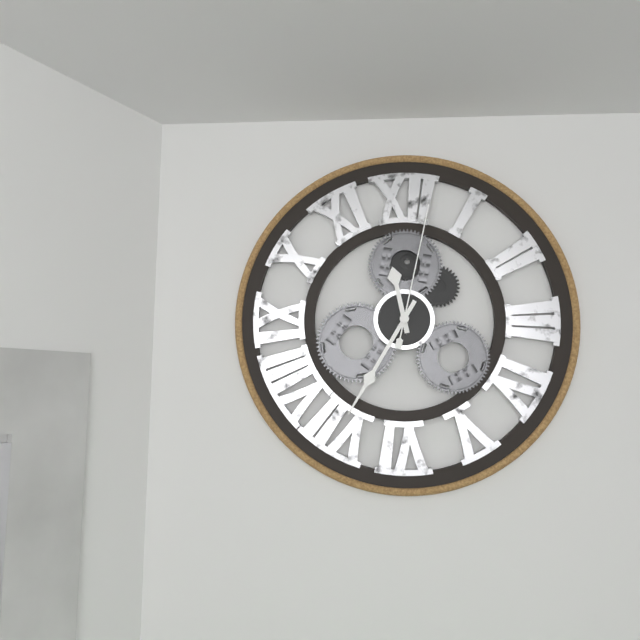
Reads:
11,35,02
